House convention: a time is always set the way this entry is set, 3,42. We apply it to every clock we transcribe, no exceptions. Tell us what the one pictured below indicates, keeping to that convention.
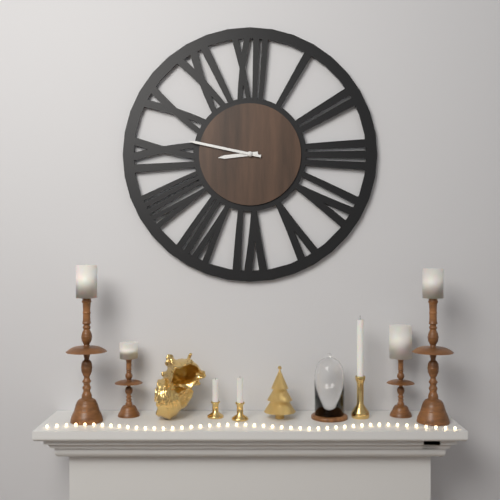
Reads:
8,47
